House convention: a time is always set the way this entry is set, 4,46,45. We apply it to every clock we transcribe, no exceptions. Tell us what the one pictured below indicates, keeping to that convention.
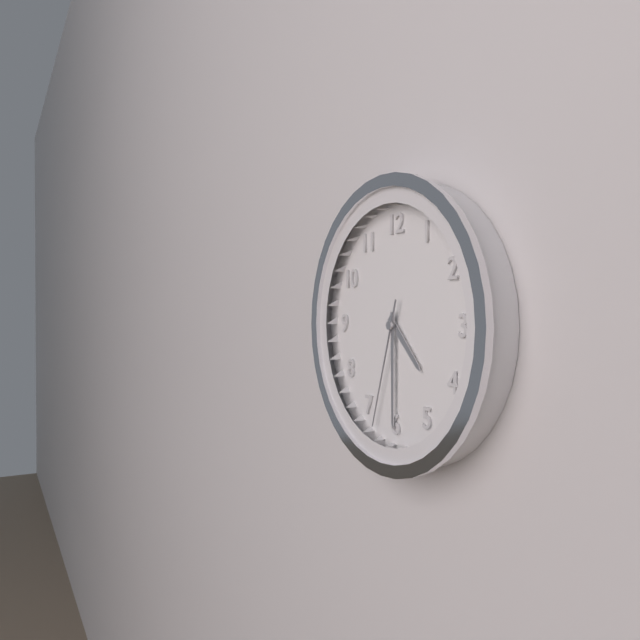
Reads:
4,30,33
